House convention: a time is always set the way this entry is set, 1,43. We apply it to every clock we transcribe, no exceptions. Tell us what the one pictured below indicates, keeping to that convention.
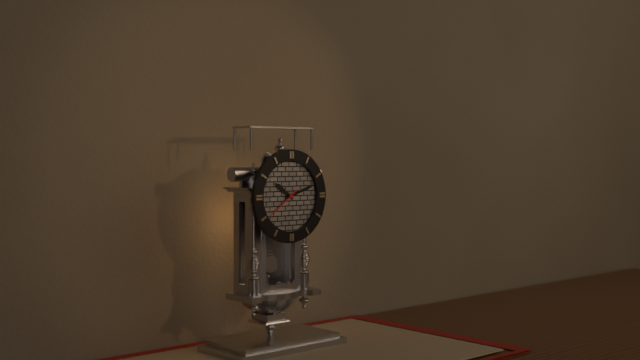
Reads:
10,12
